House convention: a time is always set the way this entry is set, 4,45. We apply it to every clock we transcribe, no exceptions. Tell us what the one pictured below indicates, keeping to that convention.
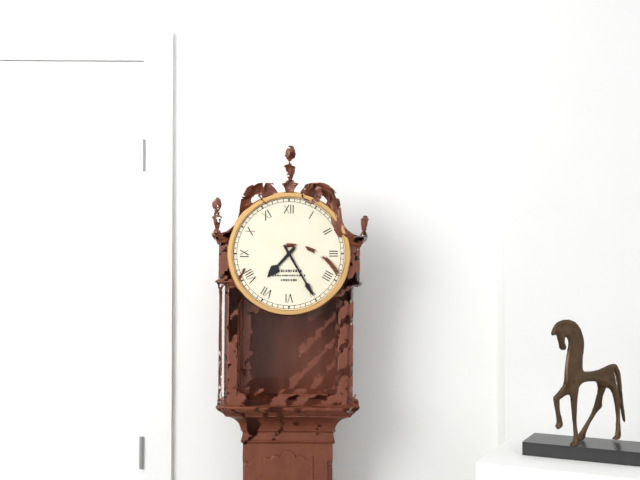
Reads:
7,25
